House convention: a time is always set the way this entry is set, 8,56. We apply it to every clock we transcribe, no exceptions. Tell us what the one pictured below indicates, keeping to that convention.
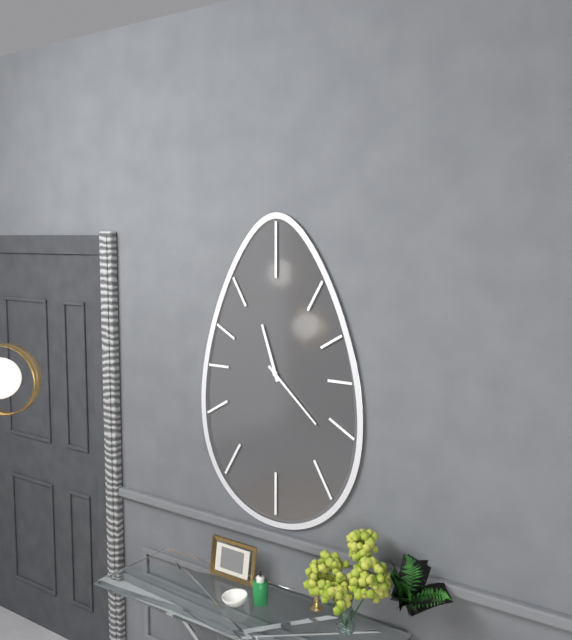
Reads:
11,22
